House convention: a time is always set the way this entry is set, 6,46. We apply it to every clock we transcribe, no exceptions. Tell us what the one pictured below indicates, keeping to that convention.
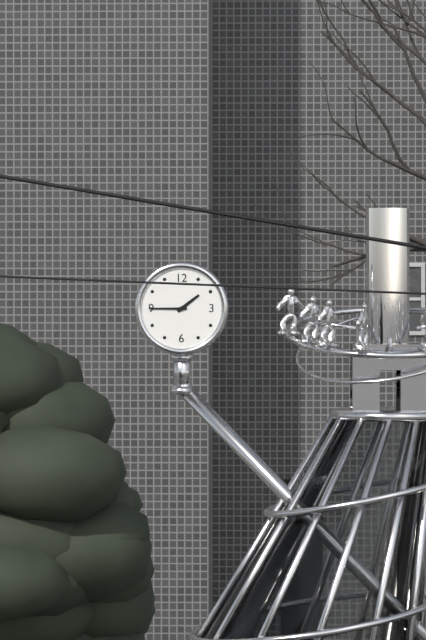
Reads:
1,45
